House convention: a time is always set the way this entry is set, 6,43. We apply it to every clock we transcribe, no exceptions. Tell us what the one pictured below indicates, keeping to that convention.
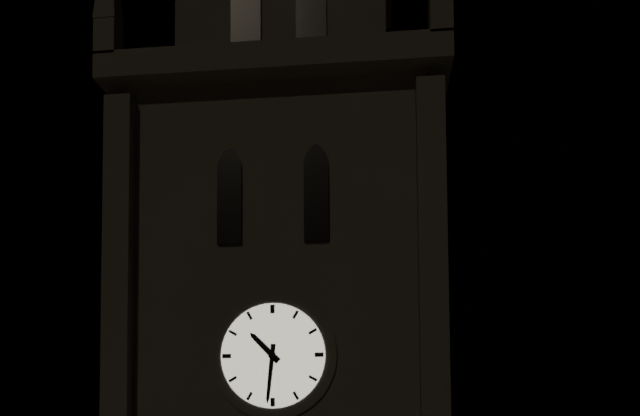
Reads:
10,31
